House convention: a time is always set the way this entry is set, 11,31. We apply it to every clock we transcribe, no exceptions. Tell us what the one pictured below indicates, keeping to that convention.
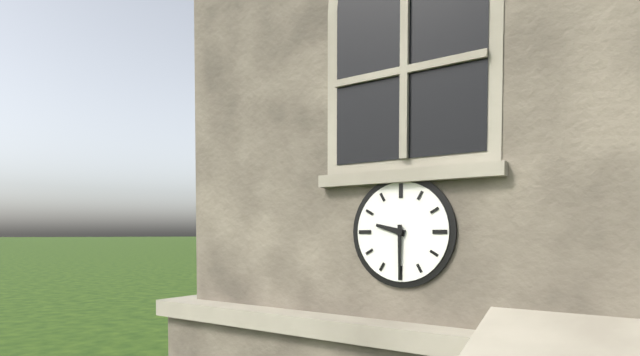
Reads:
9,30
